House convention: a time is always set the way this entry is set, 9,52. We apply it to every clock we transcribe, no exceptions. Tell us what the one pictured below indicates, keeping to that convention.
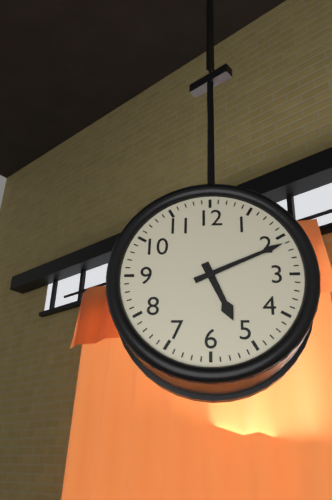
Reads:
5,11
